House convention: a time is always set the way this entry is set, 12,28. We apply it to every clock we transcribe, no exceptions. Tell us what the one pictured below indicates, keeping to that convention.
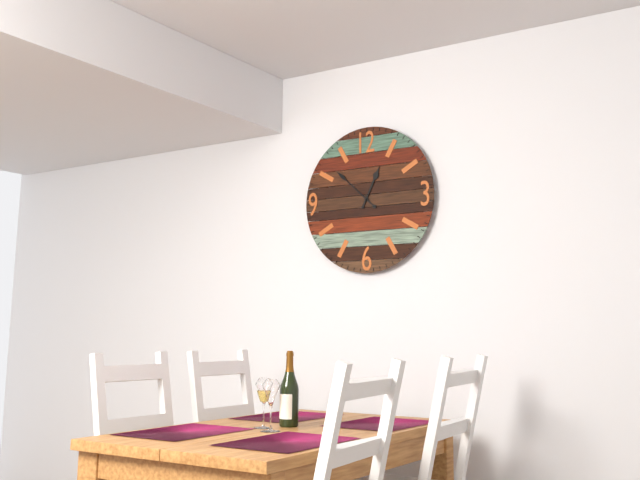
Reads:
12,52
